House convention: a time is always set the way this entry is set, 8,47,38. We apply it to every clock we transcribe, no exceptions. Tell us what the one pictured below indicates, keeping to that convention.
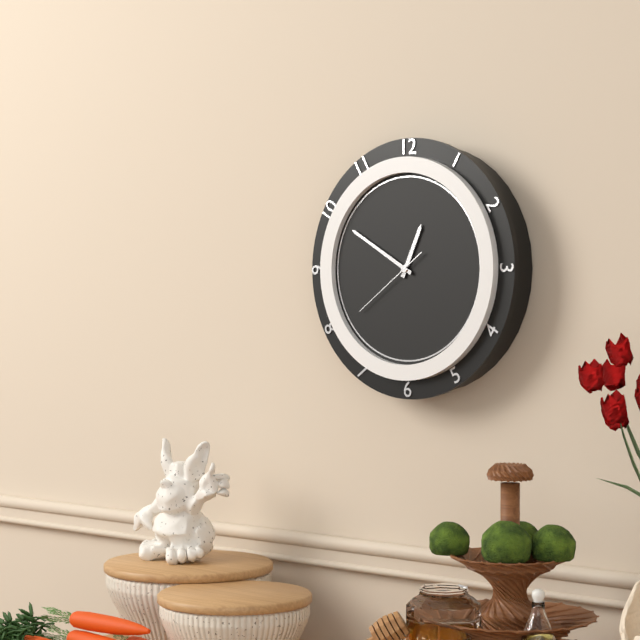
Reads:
12,50,39
